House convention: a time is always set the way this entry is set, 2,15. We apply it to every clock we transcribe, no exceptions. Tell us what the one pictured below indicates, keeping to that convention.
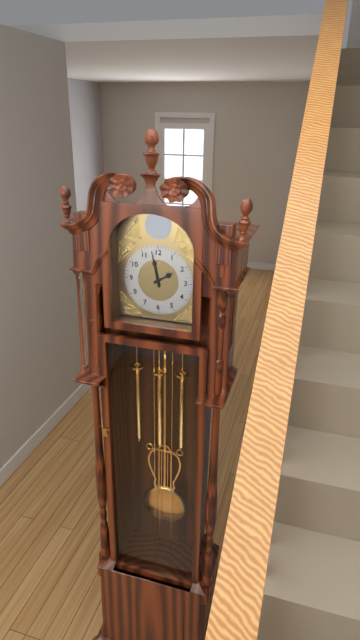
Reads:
1,58
